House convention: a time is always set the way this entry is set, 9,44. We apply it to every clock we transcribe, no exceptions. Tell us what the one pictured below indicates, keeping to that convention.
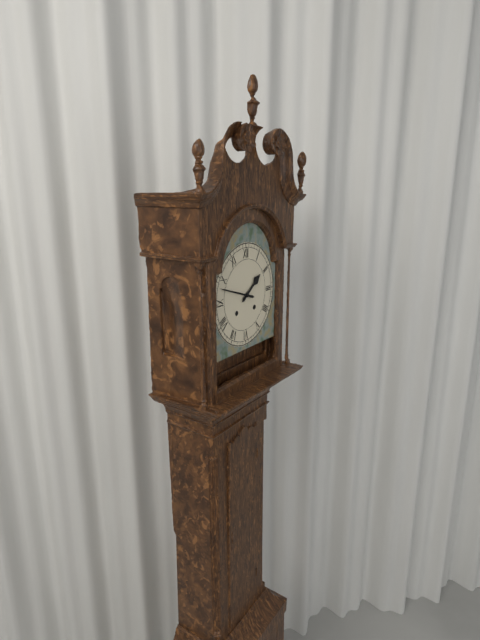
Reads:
1,48
